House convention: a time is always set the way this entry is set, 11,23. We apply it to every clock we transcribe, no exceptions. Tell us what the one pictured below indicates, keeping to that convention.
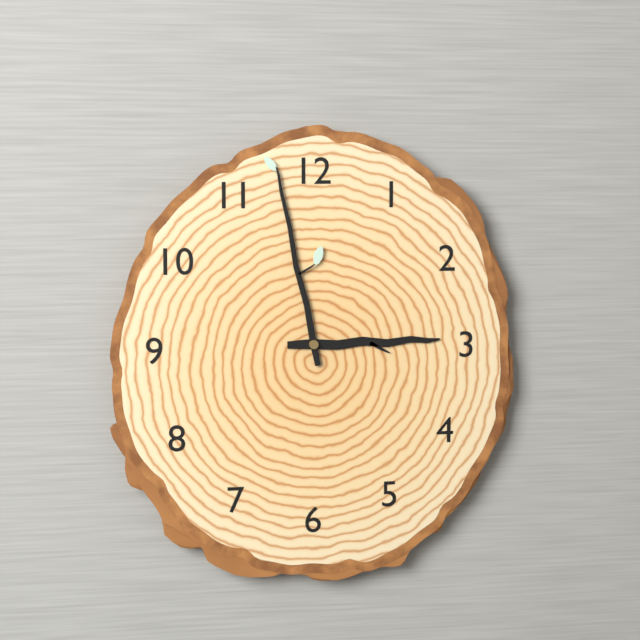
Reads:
2,58
